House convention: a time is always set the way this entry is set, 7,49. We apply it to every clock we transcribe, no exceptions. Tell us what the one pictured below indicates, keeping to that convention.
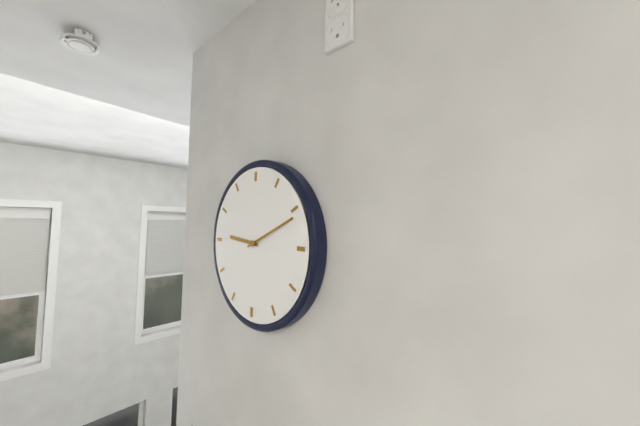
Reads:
9,11
